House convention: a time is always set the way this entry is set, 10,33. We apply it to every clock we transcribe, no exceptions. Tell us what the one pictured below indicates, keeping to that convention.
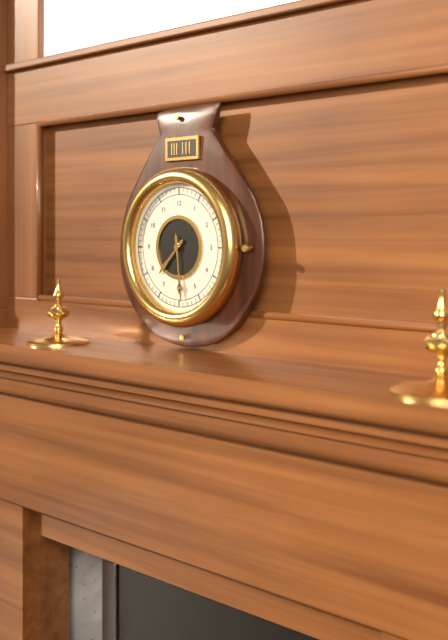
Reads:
7,29
